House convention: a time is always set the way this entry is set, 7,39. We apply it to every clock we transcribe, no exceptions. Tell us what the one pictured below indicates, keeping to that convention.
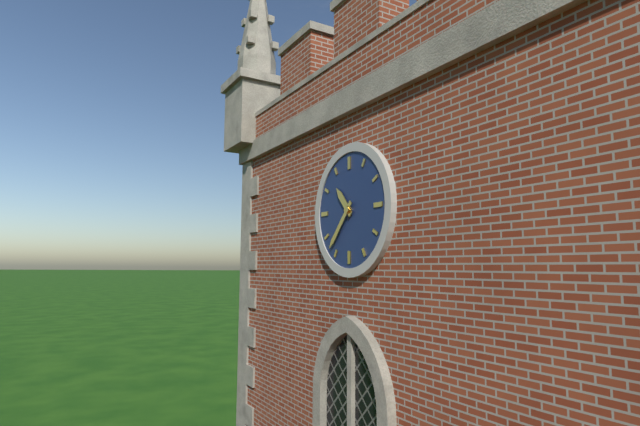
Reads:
10,37
